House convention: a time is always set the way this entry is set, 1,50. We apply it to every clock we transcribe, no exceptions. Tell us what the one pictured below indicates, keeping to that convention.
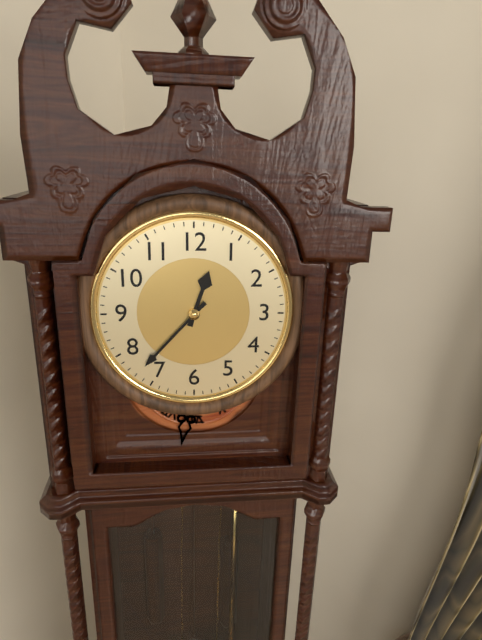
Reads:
12,37
